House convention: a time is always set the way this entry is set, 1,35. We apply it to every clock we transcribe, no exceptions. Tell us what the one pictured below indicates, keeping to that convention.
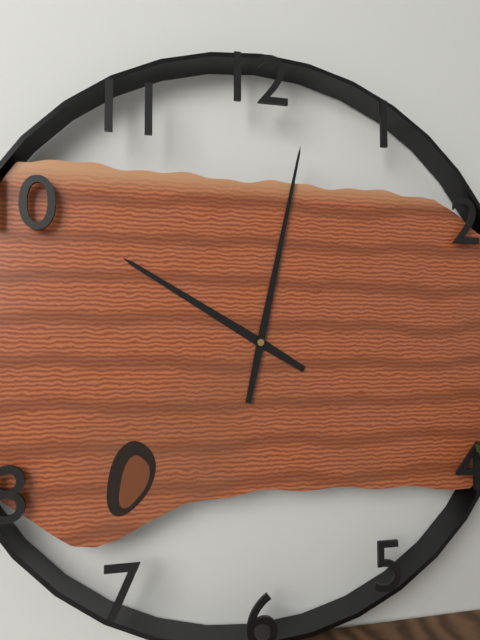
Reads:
10,02
